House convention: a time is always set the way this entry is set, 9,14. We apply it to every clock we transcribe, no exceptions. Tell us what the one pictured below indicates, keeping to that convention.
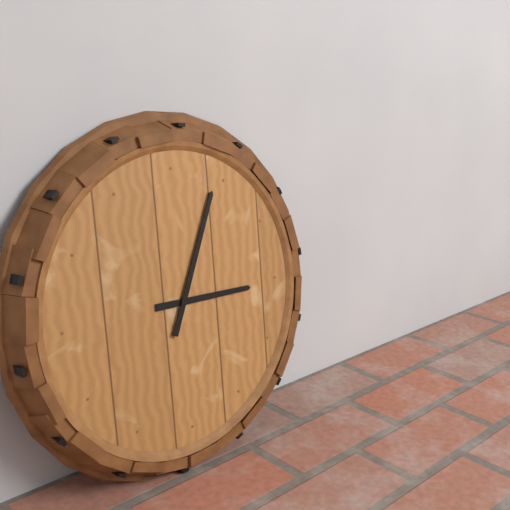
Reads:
3,04
